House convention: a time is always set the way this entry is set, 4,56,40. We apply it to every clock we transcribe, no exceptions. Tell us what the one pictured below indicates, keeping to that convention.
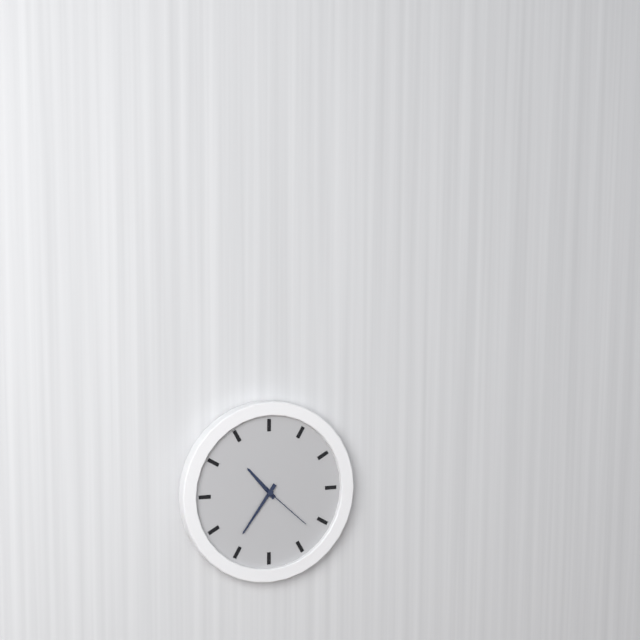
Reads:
10,36,22
